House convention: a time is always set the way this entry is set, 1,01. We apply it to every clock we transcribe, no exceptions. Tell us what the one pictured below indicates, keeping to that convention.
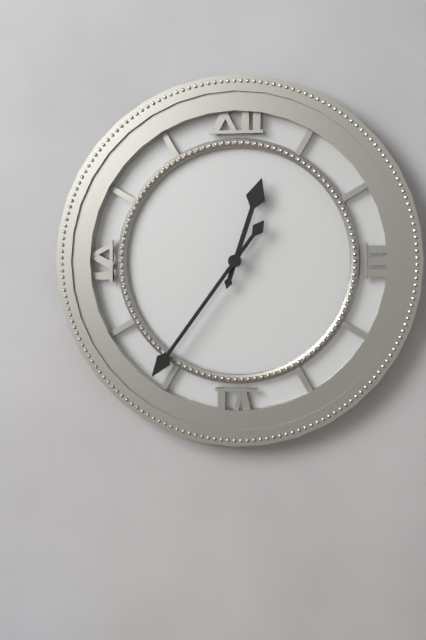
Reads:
12,36
